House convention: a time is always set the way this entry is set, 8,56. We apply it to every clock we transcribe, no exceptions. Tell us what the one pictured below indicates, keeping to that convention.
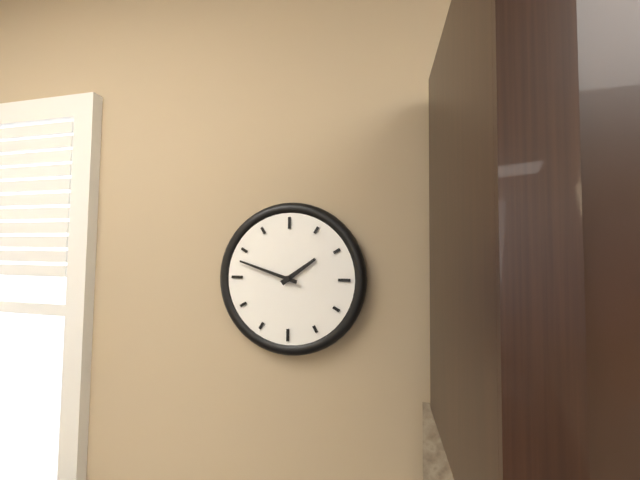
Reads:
1,48
